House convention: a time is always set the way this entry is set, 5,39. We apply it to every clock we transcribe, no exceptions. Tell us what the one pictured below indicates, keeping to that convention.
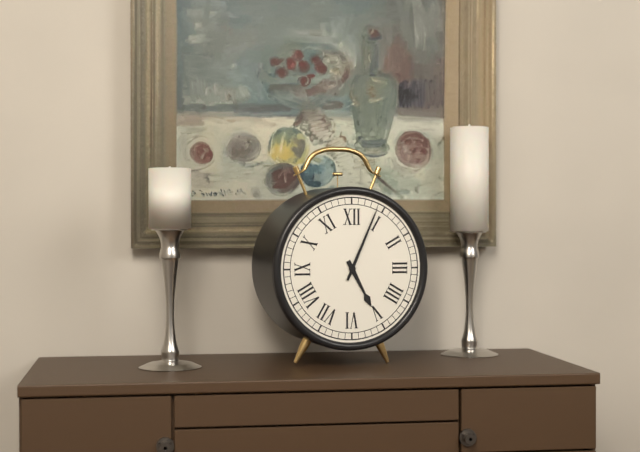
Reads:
5,04
